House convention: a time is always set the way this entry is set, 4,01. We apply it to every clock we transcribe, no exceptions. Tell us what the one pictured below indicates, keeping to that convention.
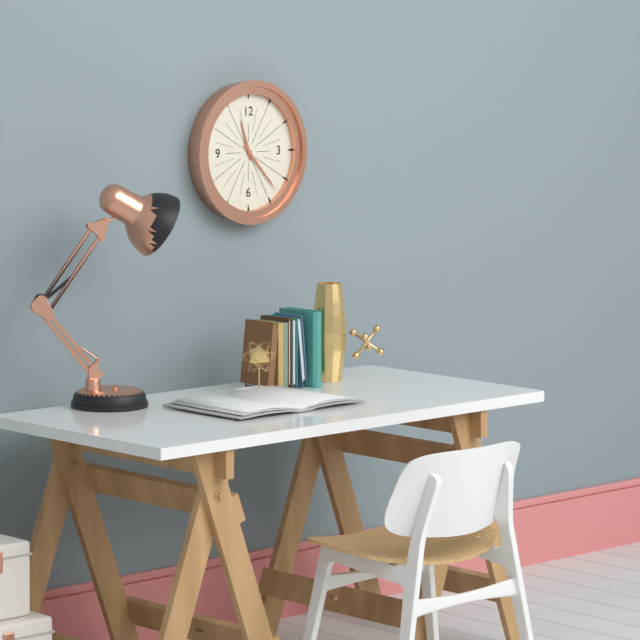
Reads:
11,23
